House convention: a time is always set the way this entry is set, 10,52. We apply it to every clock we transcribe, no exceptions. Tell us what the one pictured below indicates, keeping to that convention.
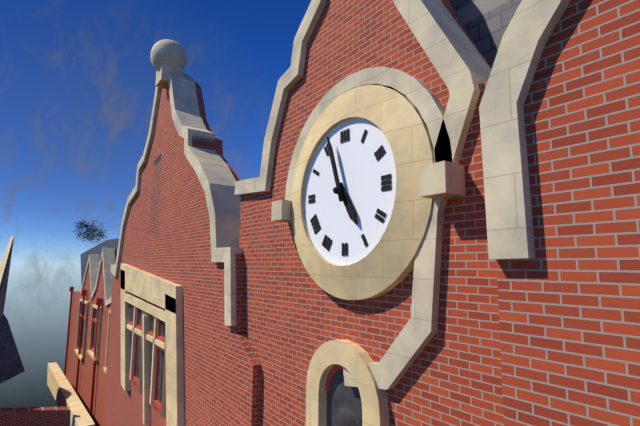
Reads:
4,57
